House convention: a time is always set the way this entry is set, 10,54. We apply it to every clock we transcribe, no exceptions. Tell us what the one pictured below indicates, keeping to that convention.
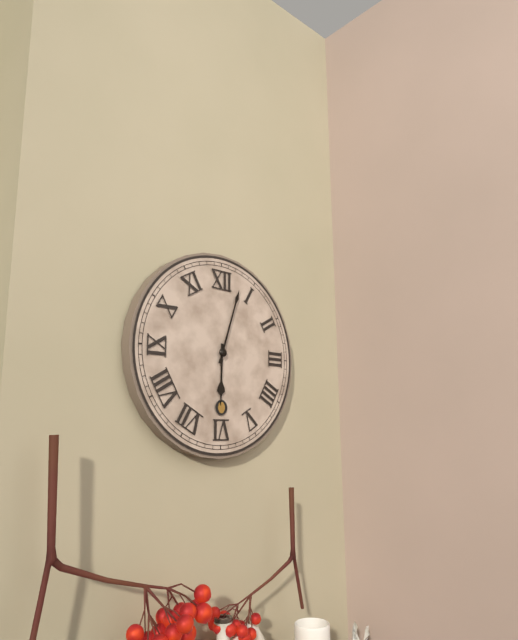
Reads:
6,03
